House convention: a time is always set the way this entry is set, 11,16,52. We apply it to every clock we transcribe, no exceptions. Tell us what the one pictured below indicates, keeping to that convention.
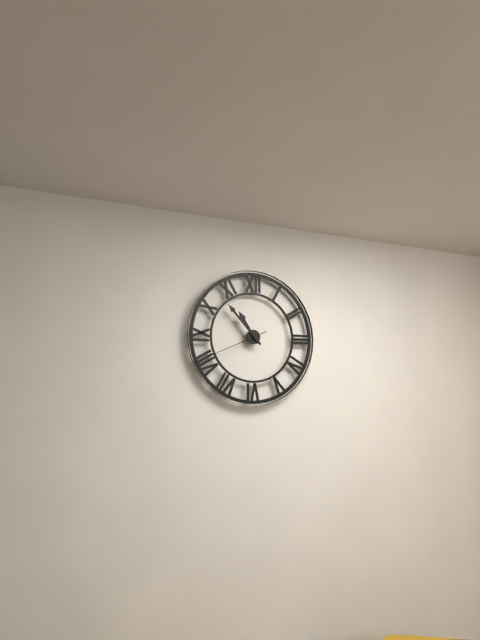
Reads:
10,53,41
